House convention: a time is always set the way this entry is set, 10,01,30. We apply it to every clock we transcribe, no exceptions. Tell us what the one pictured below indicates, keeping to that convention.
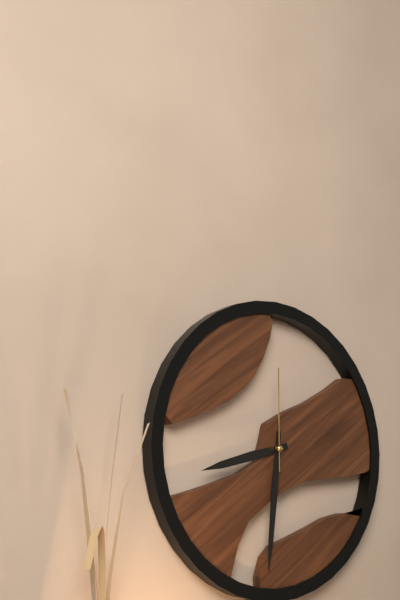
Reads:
8,31,00
